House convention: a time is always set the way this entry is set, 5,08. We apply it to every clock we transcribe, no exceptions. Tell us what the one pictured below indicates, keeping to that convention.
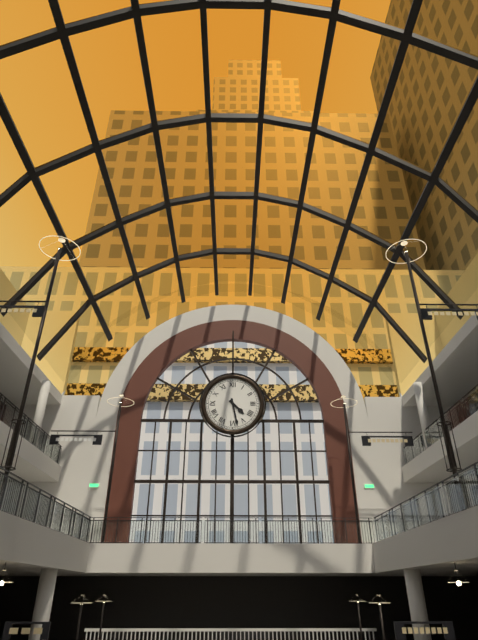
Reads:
4,28
